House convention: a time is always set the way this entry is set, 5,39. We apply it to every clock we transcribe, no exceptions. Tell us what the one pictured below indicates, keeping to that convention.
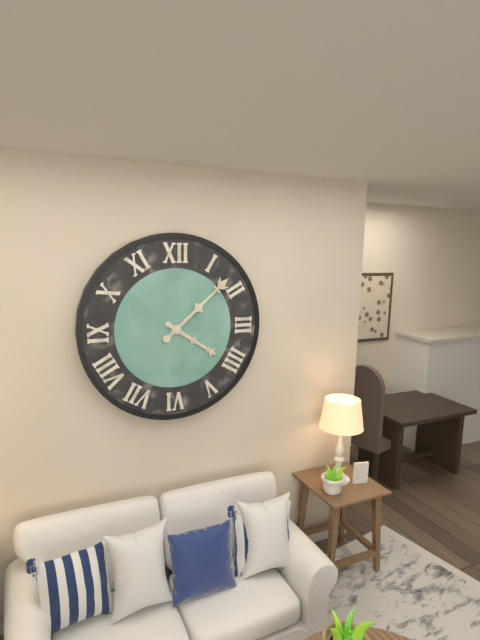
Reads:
4,08
